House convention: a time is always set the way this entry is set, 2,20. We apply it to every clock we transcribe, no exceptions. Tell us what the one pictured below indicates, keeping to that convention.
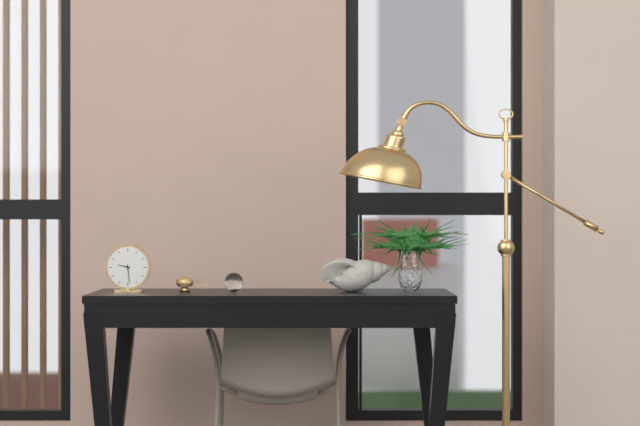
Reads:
9,29
